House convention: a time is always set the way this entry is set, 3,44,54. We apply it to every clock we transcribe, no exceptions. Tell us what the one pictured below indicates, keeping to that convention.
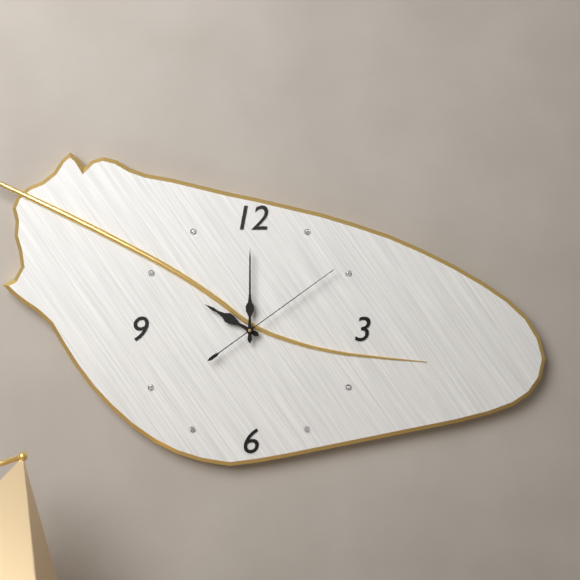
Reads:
10,00,09
